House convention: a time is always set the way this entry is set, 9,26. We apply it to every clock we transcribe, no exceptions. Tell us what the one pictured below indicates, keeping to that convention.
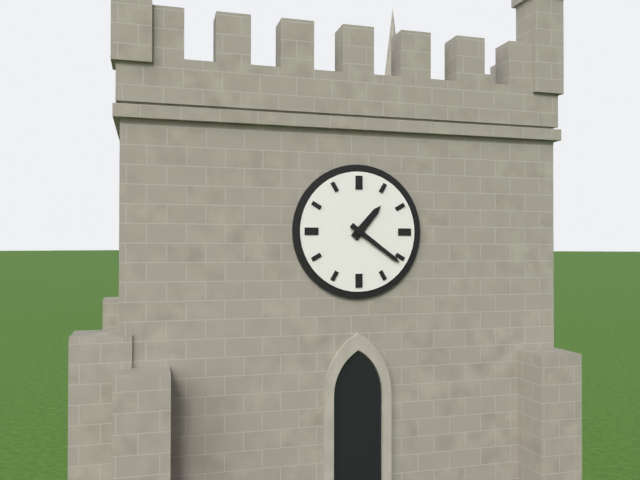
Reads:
1,21
